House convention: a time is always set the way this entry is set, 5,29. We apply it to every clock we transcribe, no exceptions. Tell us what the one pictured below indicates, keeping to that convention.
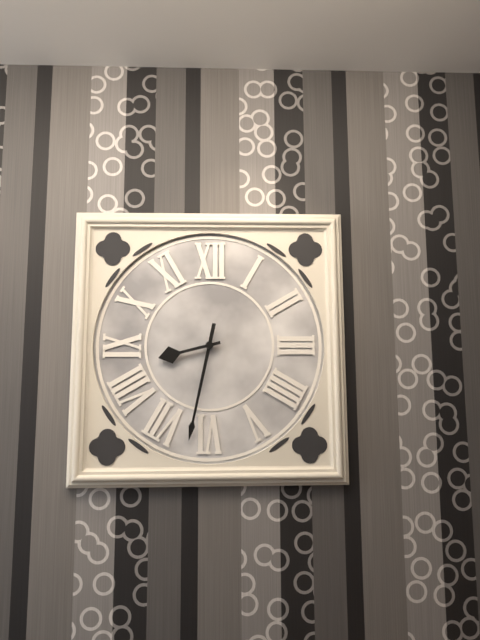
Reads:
8,32
